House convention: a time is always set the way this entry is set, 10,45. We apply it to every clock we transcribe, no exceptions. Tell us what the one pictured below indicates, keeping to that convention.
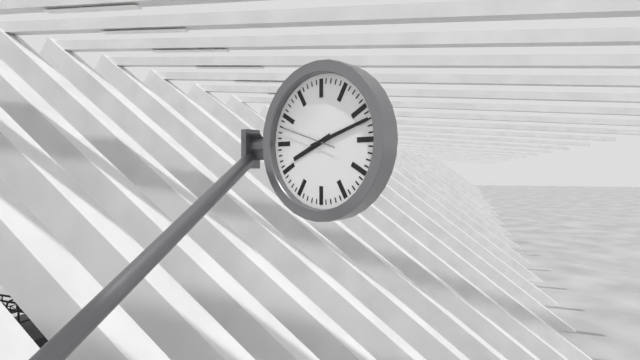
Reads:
8,12
